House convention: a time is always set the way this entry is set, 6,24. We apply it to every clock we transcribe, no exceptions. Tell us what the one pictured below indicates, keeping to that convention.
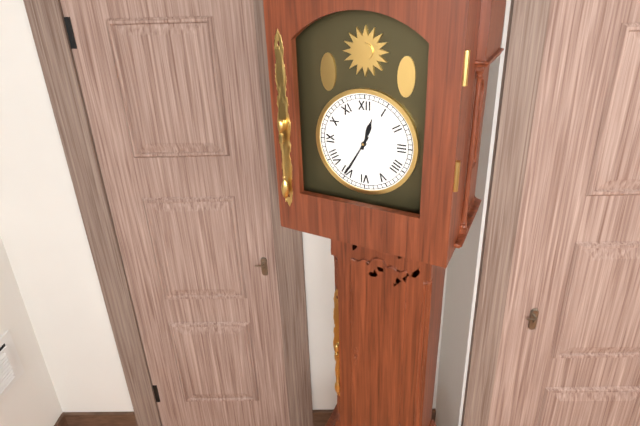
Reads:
12,35
